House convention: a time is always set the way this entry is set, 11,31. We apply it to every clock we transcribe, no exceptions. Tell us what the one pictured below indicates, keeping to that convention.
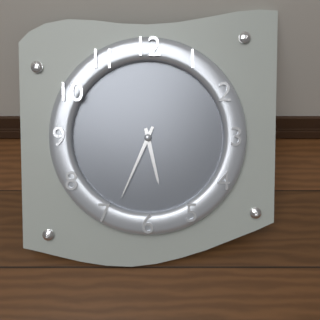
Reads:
5,34
